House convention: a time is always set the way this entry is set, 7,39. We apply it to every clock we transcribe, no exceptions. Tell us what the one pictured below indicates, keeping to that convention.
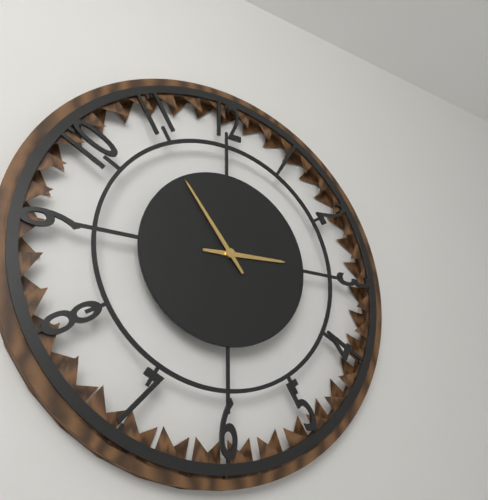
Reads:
2,54
